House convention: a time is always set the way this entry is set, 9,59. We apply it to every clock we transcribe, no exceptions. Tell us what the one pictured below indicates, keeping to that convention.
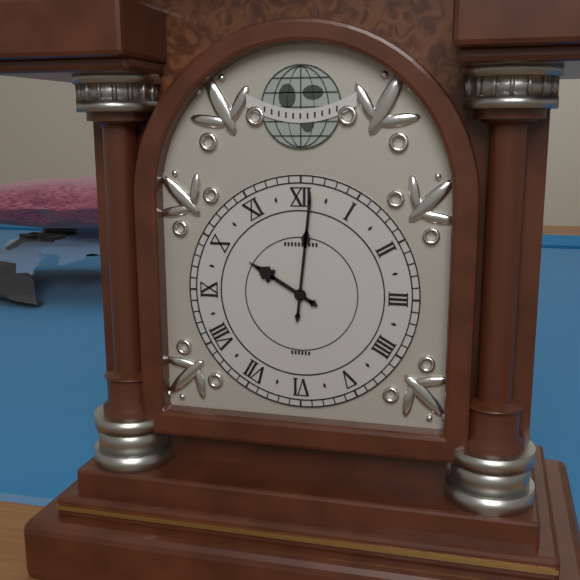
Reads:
10,01
